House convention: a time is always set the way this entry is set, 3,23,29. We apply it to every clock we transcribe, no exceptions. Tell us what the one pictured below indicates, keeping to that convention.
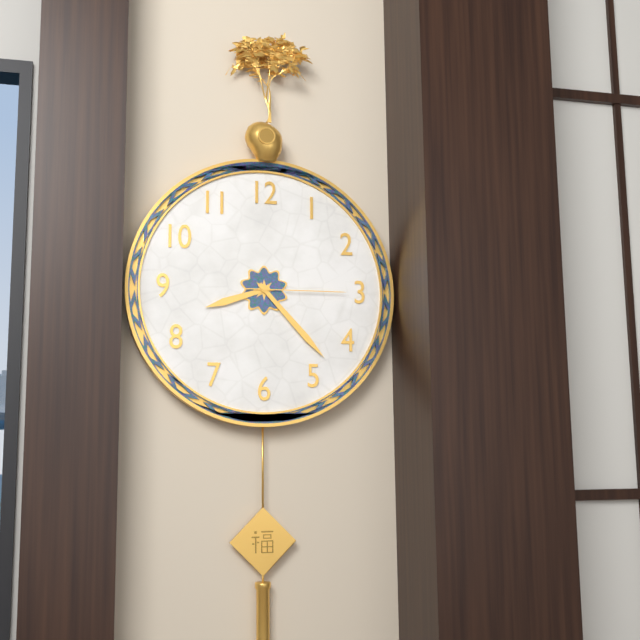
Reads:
8,23,15
